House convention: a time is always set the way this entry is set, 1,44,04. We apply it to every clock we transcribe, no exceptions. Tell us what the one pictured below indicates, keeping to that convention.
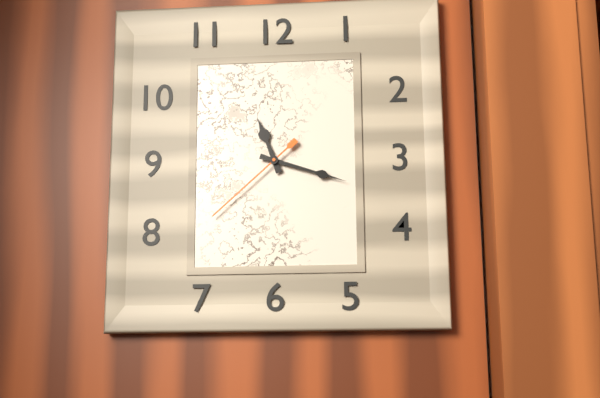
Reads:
11,18,38
